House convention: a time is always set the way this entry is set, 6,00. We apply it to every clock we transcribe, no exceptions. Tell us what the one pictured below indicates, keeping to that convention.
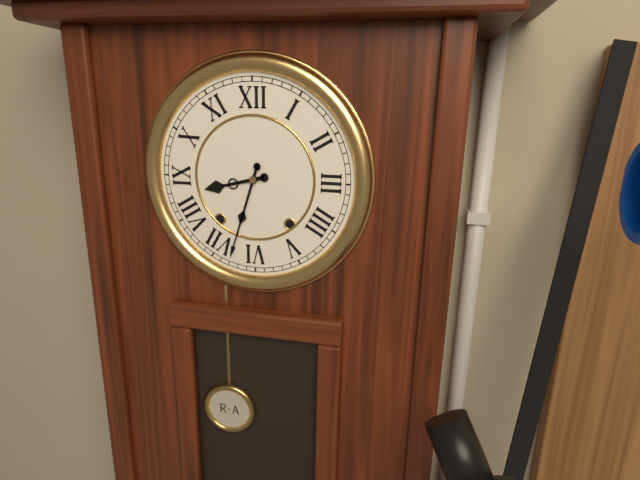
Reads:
8,33
